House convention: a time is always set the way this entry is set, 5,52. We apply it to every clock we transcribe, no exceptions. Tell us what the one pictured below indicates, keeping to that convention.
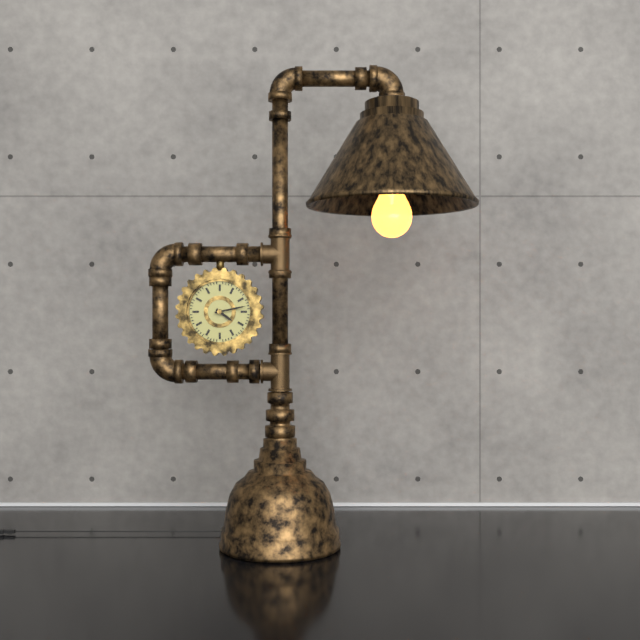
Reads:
4,13
